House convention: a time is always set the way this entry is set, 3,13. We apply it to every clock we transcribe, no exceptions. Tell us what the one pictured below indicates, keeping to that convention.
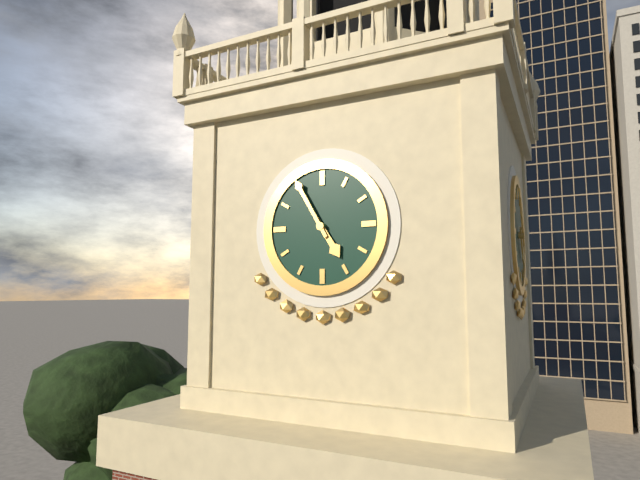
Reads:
4,55
